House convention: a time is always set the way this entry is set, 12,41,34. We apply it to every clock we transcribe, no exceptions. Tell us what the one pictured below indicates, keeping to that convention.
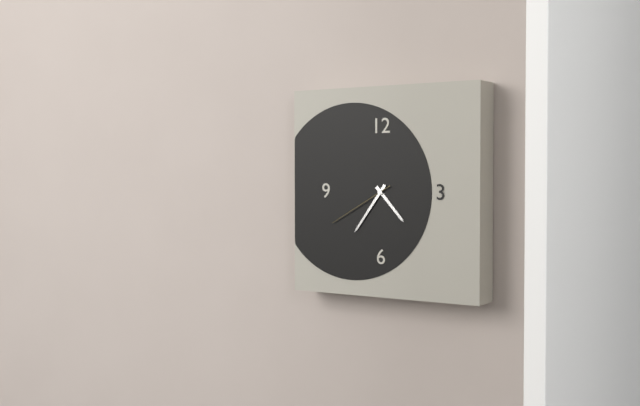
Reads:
4,36,40
